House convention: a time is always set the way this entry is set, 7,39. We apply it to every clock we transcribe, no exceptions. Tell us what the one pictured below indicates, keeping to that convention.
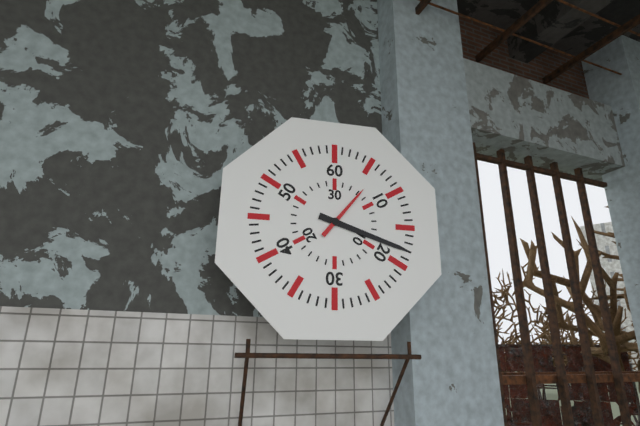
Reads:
1,18
